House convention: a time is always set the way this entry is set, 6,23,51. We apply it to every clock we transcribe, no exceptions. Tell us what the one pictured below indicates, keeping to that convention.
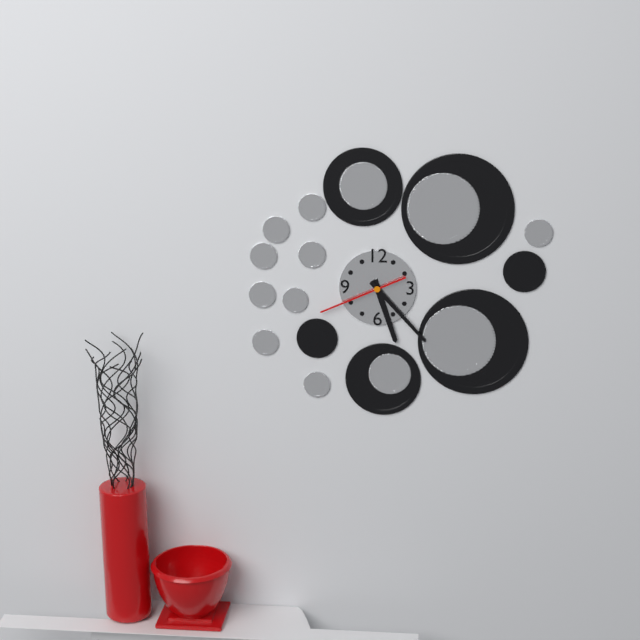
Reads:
5,23,41
